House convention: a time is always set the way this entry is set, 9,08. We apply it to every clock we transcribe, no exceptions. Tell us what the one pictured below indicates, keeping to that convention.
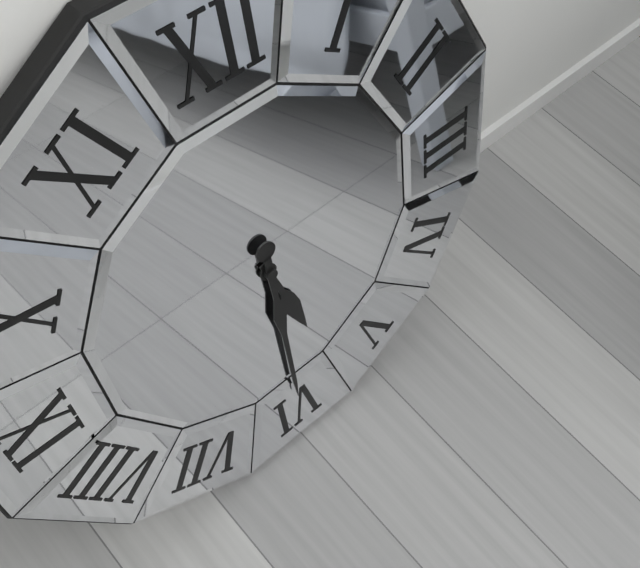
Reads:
5,30
